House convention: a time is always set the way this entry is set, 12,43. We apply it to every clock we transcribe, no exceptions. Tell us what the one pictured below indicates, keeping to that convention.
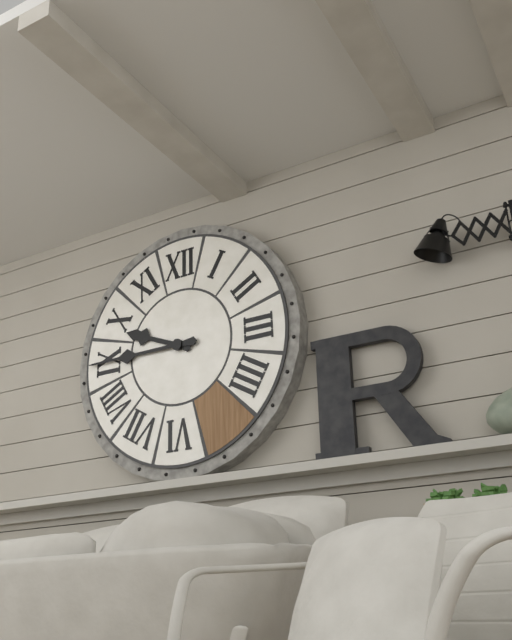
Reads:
9,45
